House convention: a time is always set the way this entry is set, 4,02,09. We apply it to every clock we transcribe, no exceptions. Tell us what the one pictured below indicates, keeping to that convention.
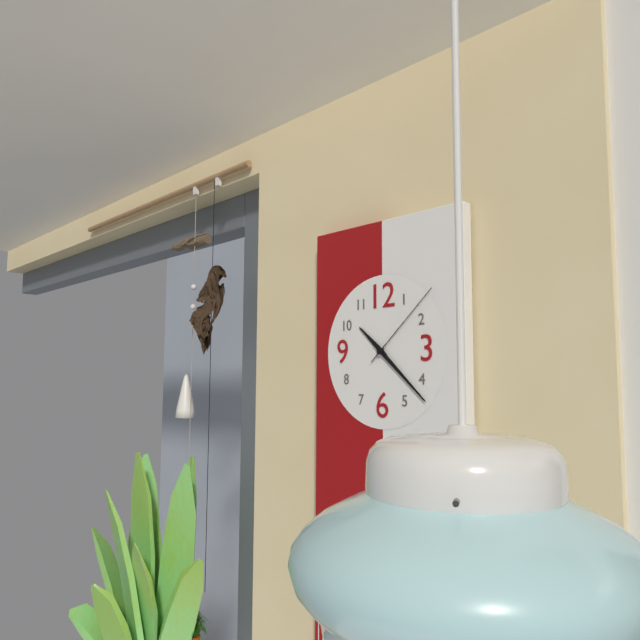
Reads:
10,22,08
